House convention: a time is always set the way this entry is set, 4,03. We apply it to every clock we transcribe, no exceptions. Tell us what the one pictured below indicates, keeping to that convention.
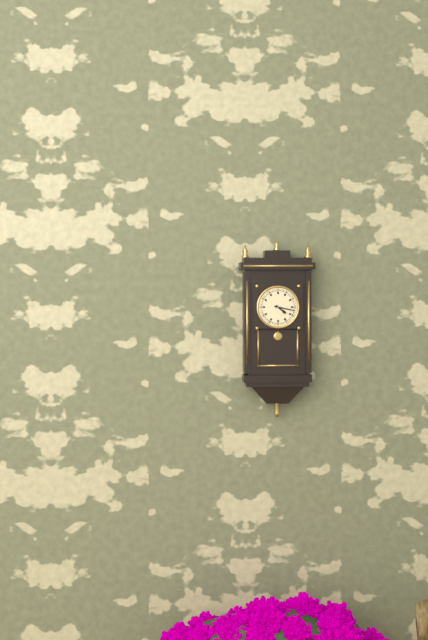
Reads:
4,17
